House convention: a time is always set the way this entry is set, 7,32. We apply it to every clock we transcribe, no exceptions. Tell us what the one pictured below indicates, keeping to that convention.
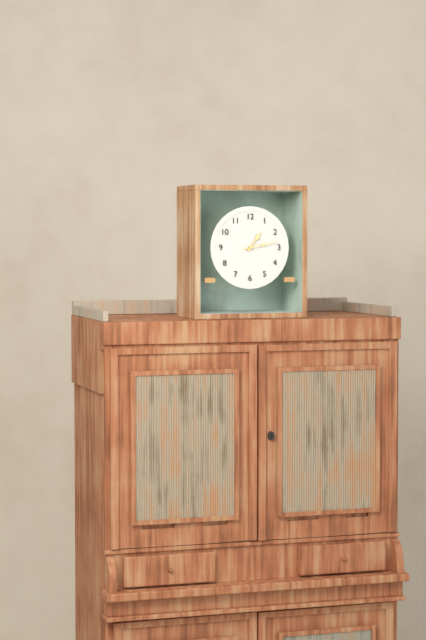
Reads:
1,13
